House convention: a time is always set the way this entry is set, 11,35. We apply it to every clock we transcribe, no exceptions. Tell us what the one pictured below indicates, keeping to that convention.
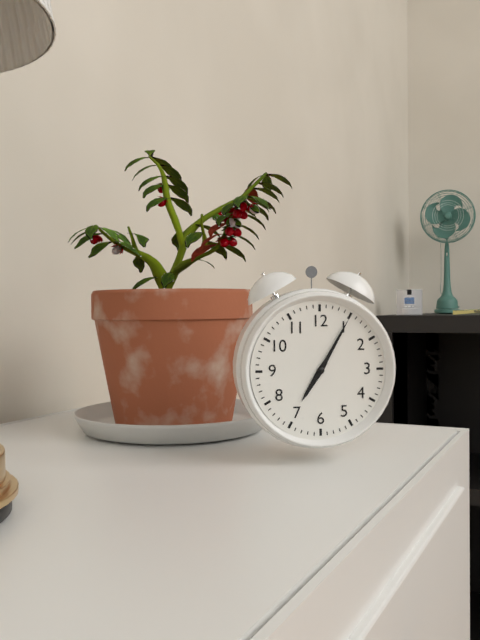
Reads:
7,05
